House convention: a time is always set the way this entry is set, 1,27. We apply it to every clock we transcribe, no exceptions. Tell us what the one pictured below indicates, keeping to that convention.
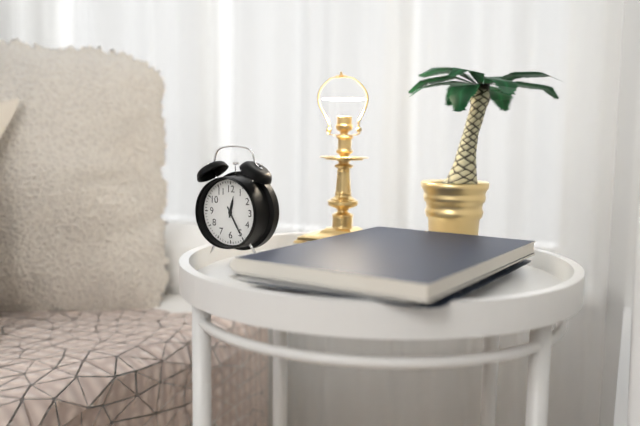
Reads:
12,25
